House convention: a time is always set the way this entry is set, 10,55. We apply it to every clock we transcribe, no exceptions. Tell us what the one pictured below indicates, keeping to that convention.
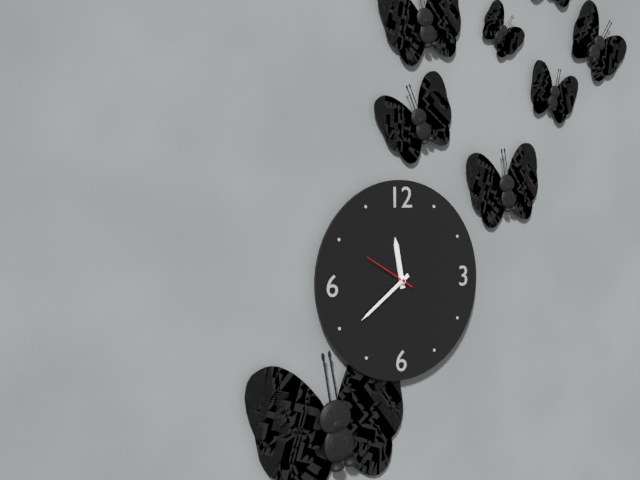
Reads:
11,39
